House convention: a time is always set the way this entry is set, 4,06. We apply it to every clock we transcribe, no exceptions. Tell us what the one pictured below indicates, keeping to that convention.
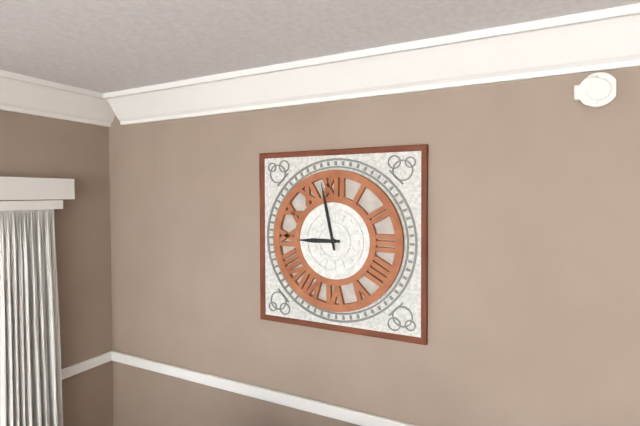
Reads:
8,58
